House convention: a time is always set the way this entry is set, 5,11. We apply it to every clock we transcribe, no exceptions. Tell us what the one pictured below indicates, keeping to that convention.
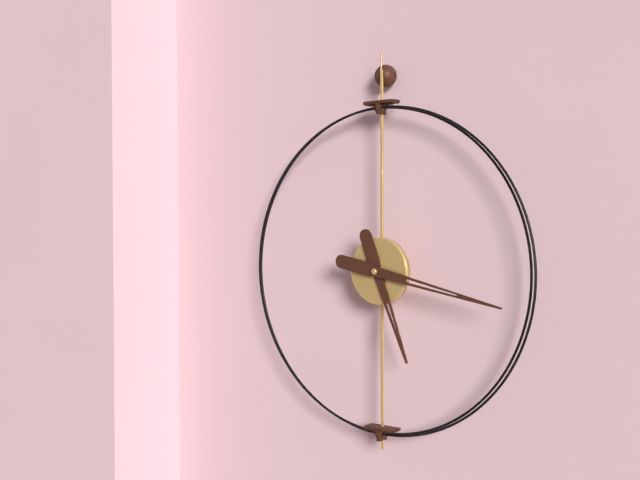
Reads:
5,17
